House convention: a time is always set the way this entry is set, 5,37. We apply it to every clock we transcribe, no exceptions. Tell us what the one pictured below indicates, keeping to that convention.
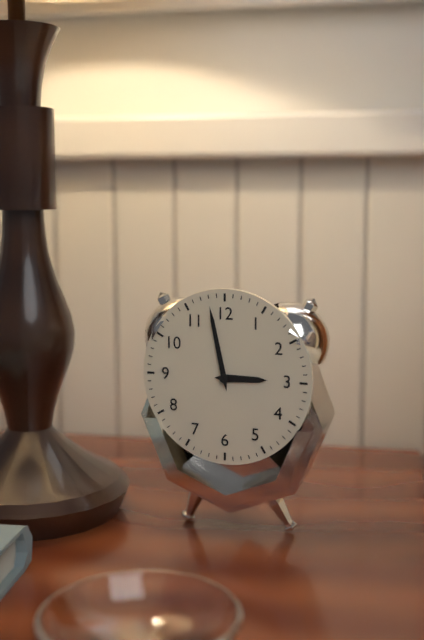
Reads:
2,58
